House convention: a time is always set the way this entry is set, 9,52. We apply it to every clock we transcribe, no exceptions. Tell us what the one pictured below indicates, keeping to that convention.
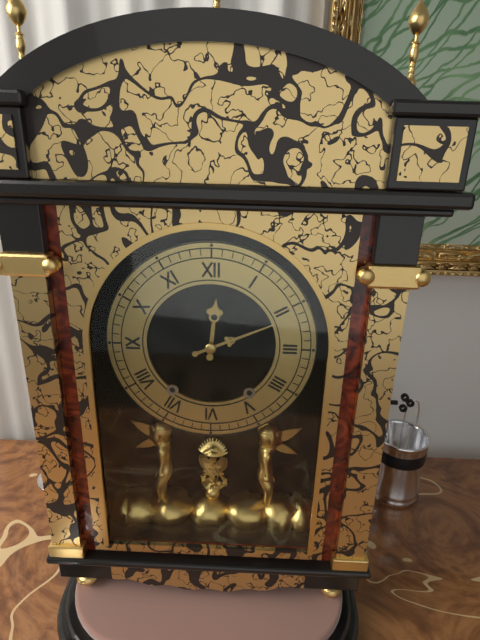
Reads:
12,11
